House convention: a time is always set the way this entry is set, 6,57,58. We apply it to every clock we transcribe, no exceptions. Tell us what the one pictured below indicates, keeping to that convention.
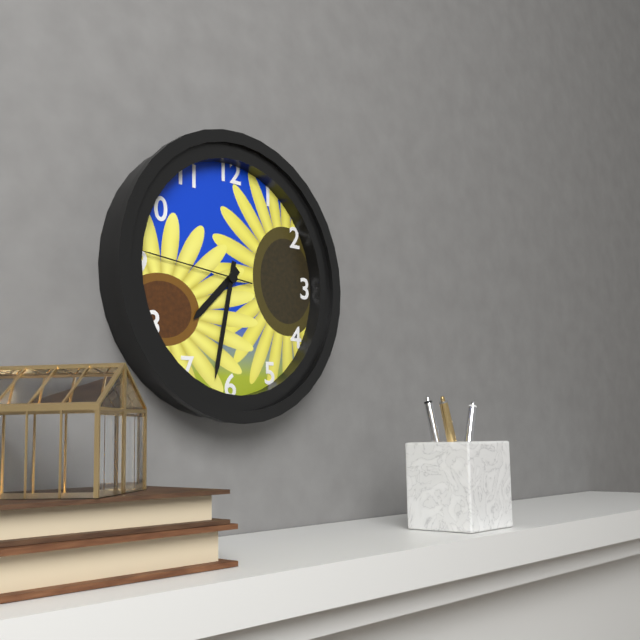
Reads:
7,32,46
